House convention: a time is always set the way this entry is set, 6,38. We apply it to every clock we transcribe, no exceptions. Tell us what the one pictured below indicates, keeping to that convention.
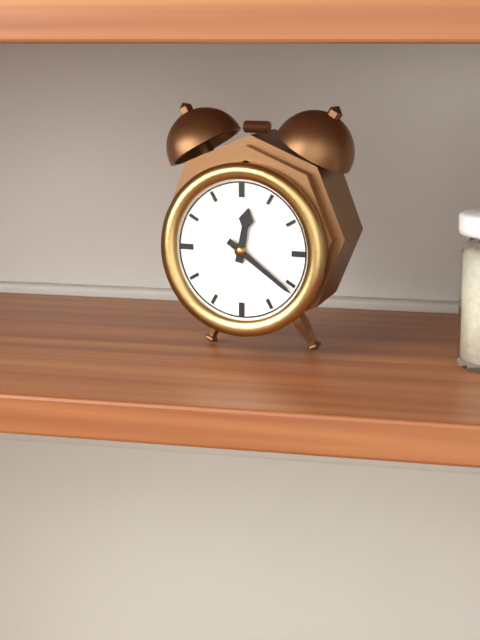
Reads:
12,21
